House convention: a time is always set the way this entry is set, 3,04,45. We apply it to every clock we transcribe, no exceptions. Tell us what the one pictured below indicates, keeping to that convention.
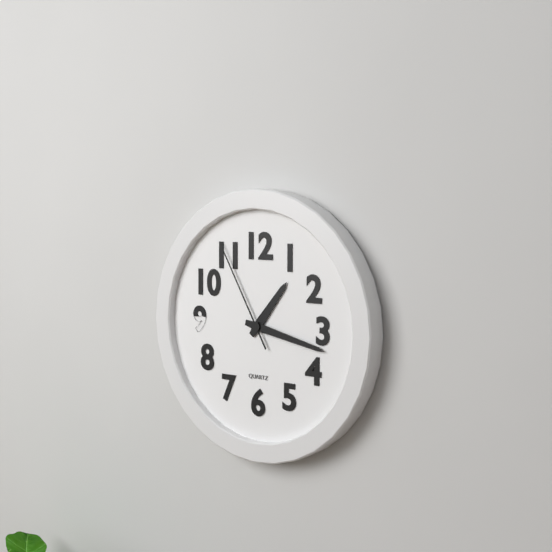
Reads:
1,17,55
